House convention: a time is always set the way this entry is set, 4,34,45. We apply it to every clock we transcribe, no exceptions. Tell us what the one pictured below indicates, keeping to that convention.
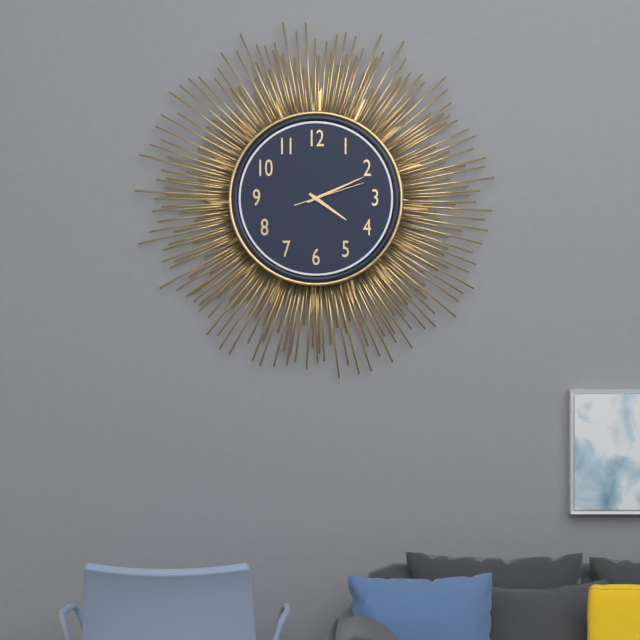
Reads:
4,11,12
